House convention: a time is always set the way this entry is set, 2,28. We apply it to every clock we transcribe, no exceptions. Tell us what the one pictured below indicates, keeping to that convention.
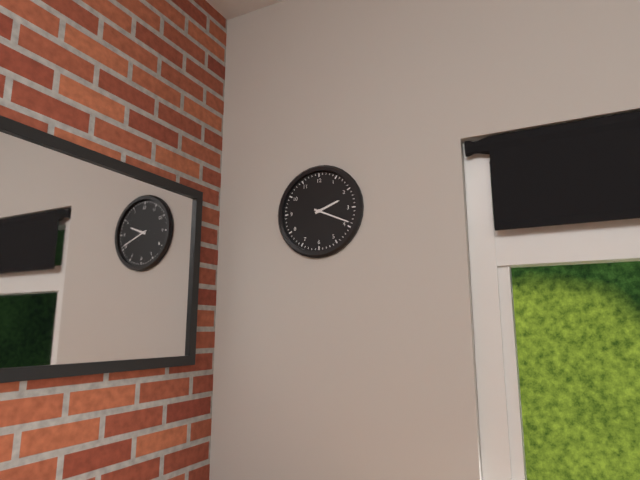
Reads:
2,19
